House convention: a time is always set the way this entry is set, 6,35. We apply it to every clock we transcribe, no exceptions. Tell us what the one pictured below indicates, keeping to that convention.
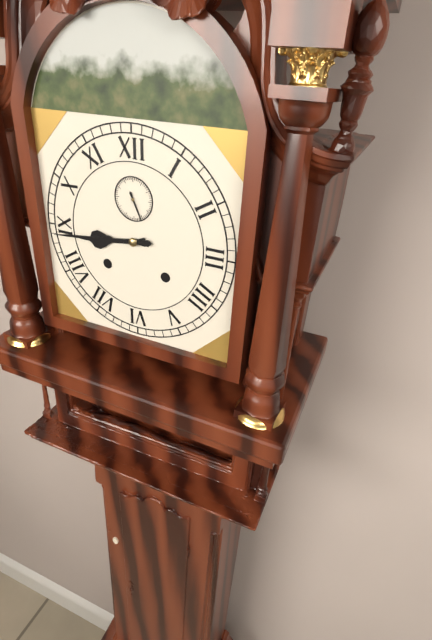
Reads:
8,44
